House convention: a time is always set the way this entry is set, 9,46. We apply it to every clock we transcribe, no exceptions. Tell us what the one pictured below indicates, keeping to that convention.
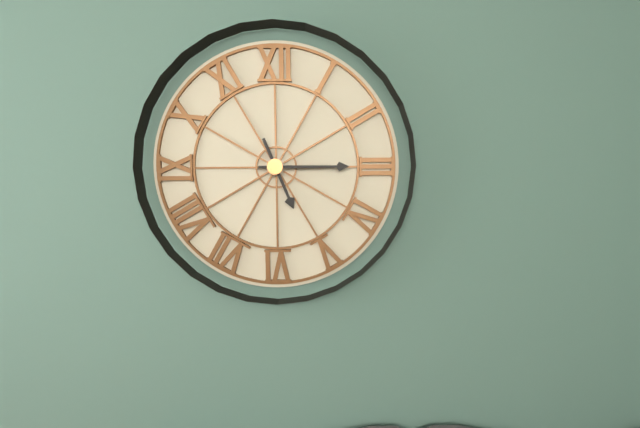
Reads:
5,15
